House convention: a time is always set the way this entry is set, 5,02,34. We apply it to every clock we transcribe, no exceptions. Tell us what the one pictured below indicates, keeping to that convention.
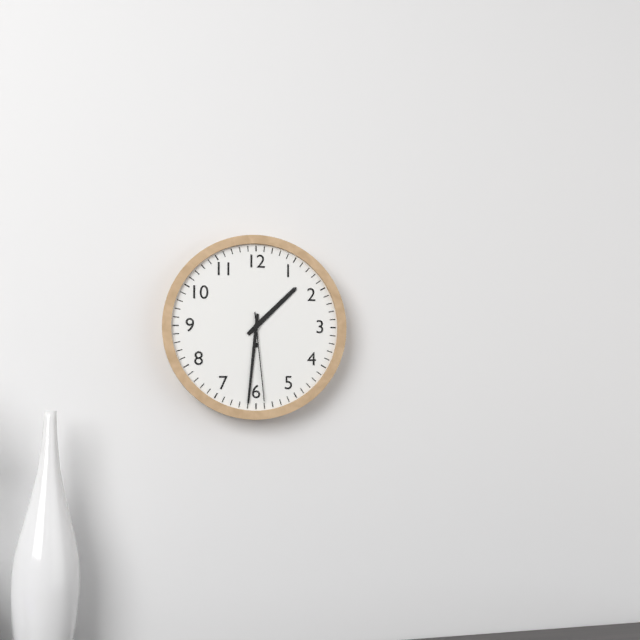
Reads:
1,31,29
